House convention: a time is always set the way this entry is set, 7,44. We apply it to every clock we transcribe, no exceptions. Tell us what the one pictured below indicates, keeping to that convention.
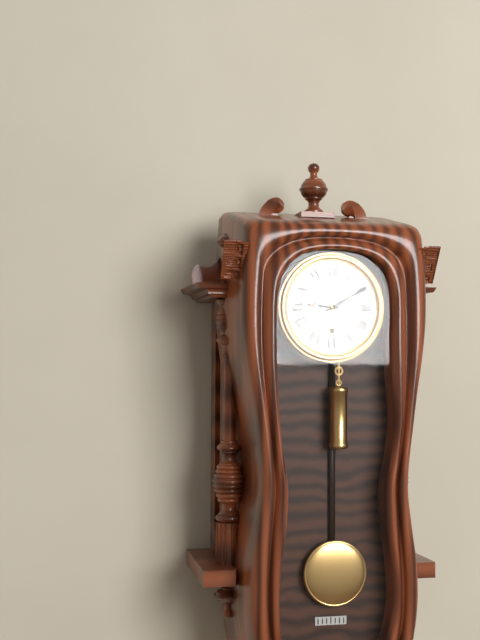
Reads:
9,10
